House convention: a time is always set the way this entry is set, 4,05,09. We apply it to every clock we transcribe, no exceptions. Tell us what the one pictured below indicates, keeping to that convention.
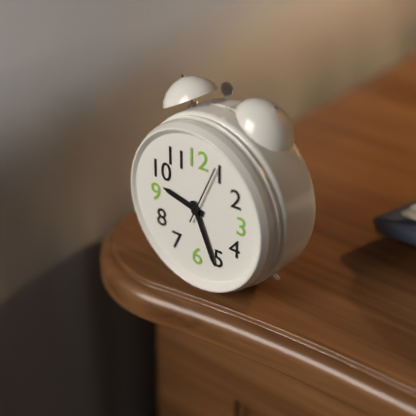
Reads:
9,26,04
